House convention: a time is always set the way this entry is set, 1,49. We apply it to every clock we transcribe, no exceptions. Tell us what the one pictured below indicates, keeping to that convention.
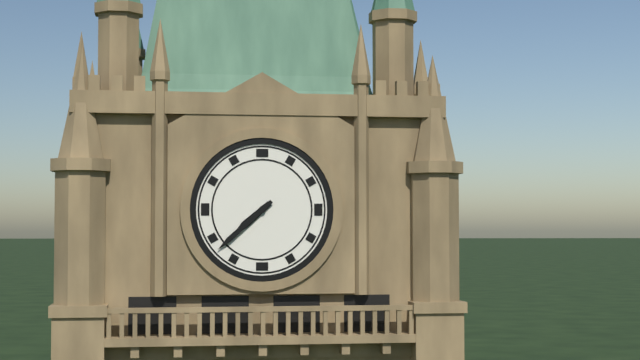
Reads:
7,38
